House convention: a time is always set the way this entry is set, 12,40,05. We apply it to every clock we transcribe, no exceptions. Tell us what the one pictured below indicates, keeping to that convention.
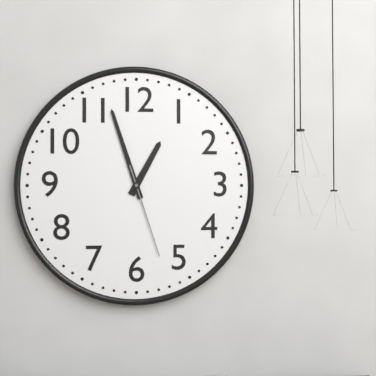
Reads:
12,57,27
